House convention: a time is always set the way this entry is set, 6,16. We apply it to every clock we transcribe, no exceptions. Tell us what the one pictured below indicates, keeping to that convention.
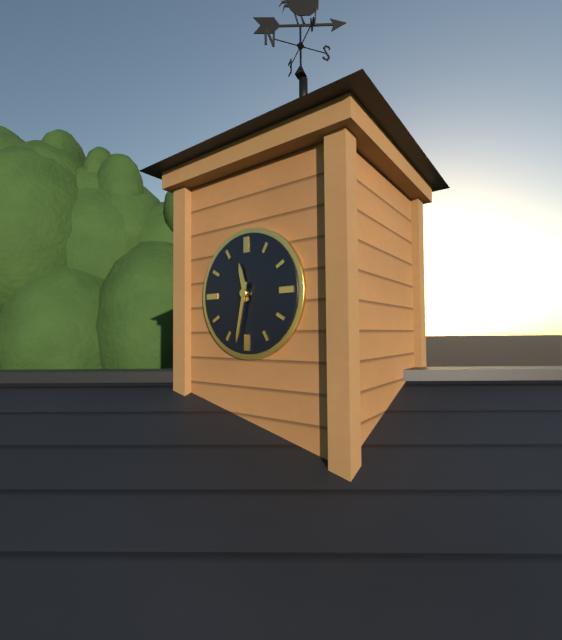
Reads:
11,32
